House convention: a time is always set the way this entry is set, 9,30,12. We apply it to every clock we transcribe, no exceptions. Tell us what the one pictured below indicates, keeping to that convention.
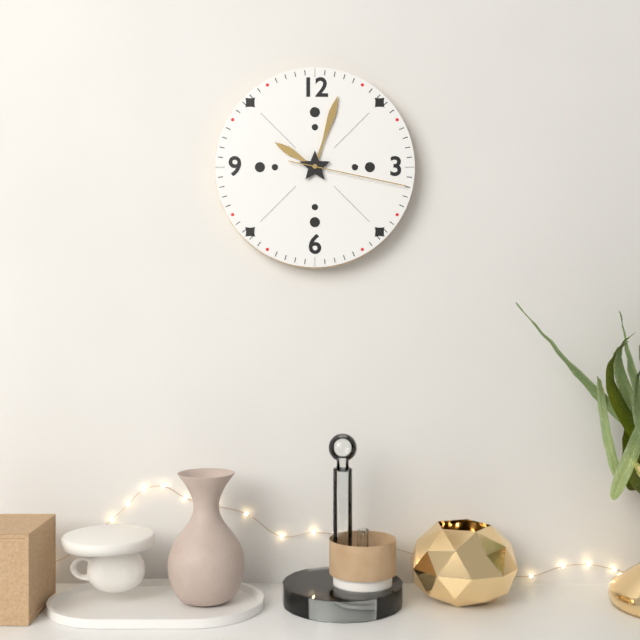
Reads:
10,03,17
